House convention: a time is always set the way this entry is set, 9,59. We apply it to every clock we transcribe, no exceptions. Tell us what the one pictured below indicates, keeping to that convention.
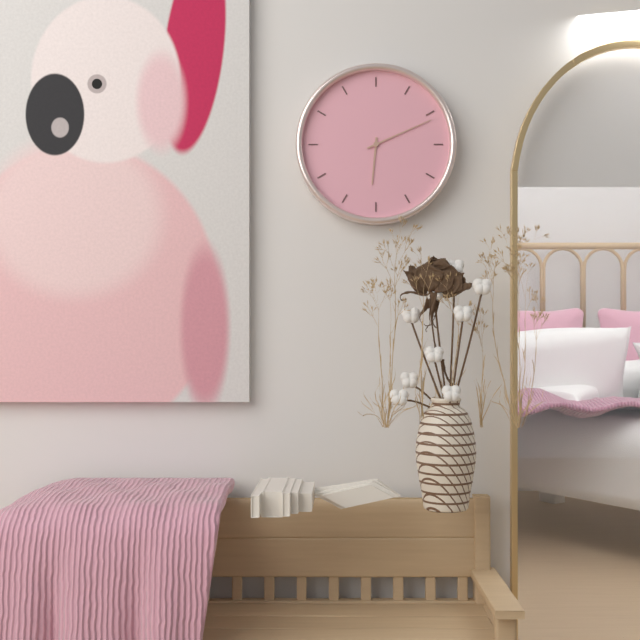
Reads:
6,11
